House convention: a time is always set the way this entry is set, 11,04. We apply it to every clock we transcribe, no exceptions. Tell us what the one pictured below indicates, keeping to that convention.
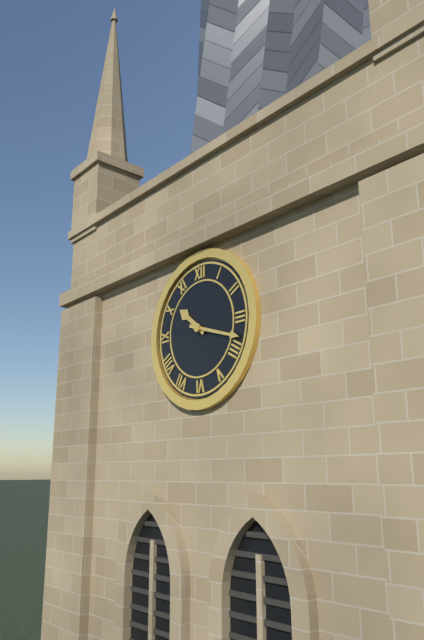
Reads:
10,18
